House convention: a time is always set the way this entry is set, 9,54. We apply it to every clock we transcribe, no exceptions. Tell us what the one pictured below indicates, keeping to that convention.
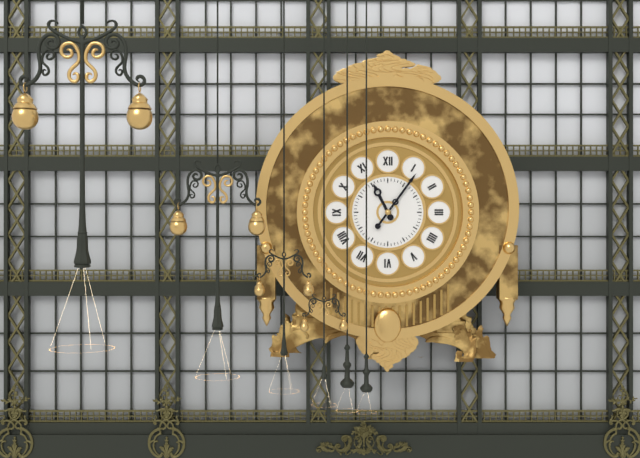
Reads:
11,06
